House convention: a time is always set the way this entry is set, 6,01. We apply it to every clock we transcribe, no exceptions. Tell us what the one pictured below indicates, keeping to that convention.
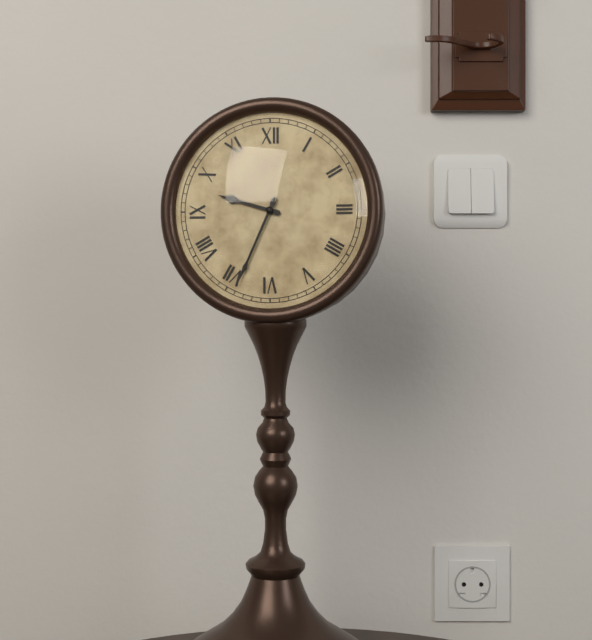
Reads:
9,34
